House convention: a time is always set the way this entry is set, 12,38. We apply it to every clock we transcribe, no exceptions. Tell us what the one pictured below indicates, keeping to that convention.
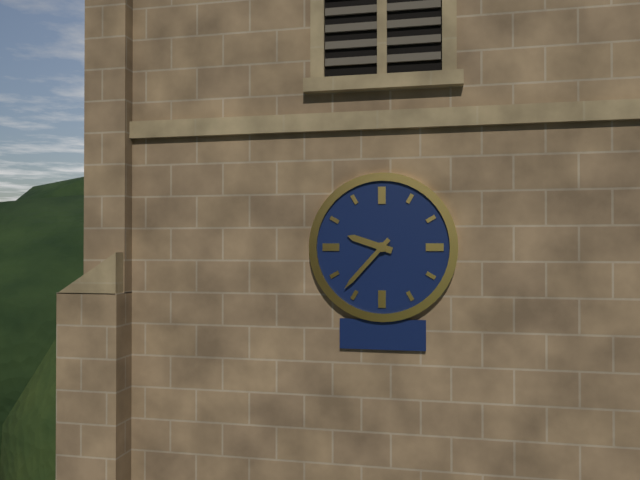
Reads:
9,37
